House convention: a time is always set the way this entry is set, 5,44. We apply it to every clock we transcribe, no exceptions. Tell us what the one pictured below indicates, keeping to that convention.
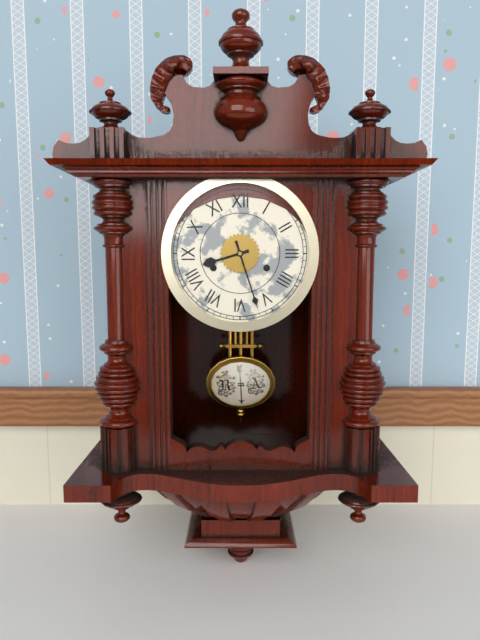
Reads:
8,27
